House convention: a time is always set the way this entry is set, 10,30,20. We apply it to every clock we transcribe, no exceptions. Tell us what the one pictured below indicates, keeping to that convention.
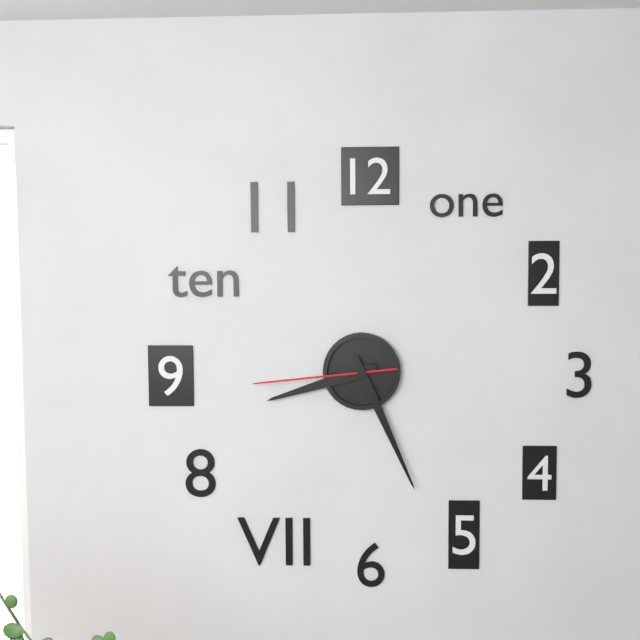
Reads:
8,26,44
